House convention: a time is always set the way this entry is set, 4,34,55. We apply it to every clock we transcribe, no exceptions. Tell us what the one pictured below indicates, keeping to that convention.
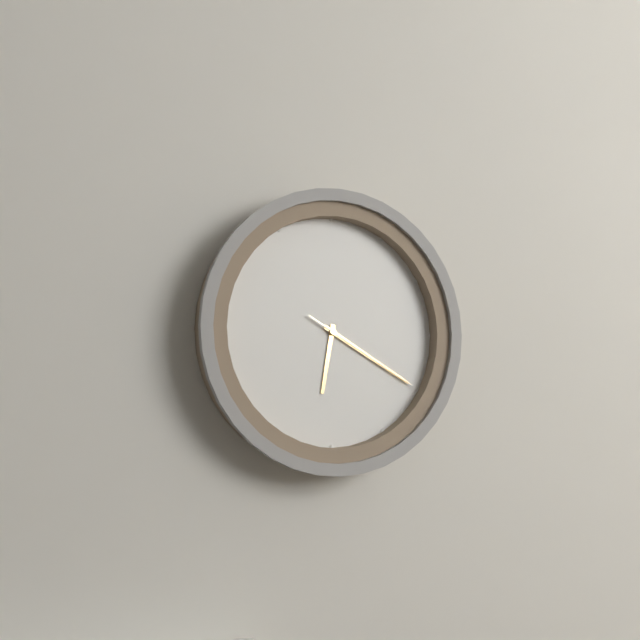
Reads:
6,20,20
